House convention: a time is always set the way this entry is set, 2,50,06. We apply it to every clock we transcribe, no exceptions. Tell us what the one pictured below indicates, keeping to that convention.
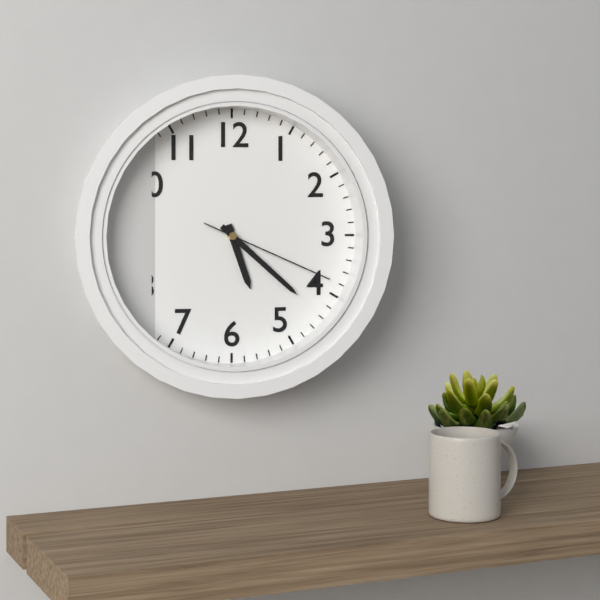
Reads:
5,22,19
